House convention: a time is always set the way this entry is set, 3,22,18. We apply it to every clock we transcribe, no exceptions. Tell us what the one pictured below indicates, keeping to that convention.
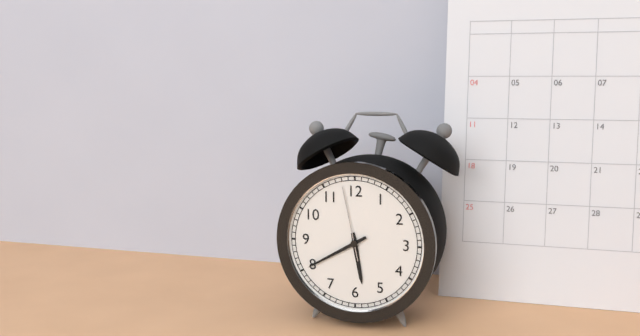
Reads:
5,40,58
